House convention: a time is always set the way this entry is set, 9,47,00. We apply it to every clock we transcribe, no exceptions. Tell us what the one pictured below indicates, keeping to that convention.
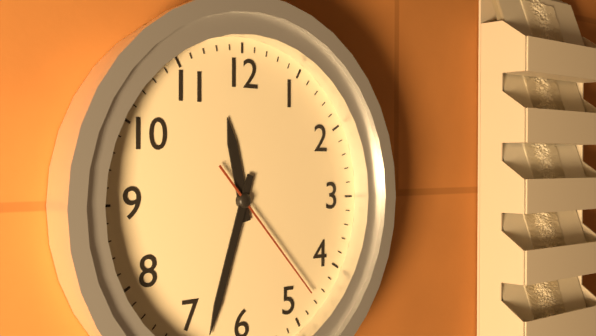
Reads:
11,33,23
